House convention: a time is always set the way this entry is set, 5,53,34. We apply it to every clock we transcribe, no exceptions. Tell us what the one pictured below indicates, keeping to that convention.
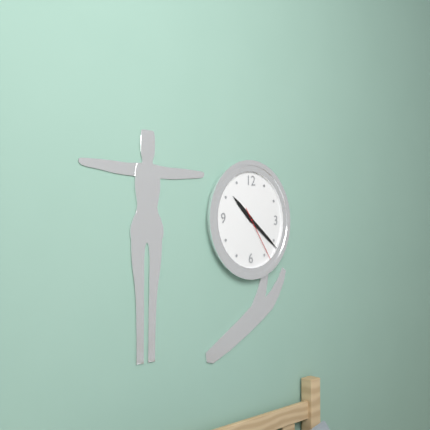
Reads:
10,21,24
